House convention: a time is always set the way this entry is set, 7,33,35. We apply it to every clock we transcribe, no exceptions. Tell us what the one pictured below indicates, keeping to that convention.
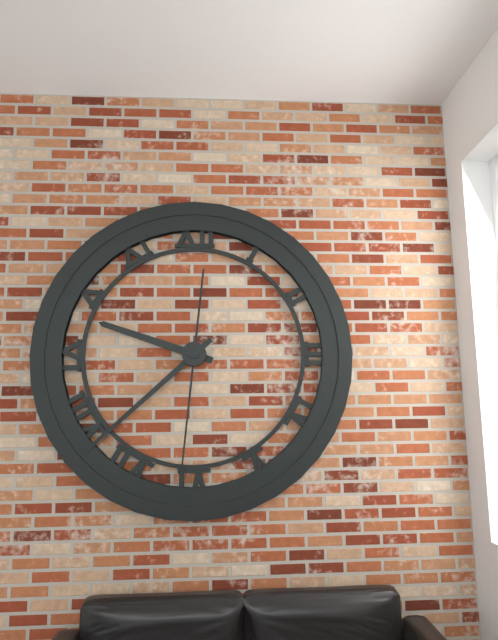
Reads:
9,38,31
